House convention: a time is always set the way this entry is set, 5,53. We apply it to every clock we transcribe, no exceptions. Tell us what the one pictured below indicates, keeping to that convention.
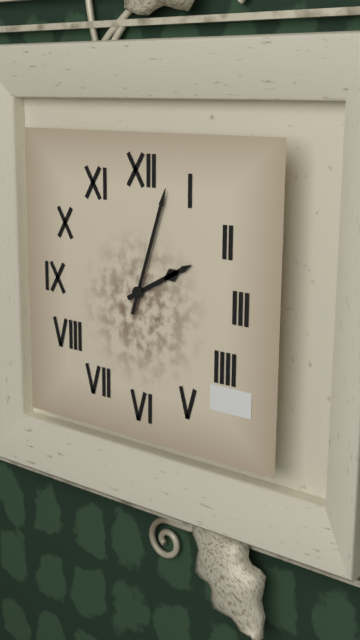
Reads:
2,03
